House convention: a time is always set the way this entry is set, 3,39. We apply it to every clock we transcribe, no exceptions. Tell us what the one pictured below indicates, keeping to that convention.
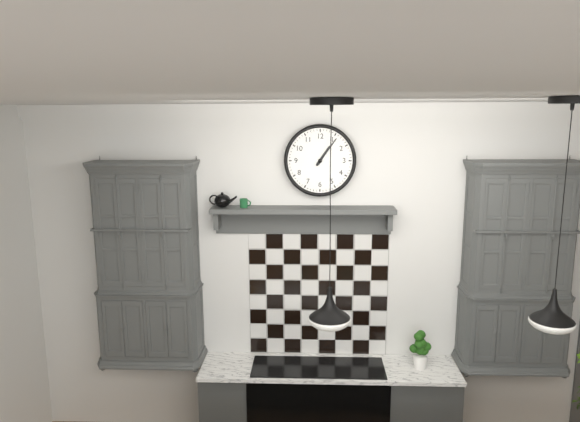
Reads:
1,06
